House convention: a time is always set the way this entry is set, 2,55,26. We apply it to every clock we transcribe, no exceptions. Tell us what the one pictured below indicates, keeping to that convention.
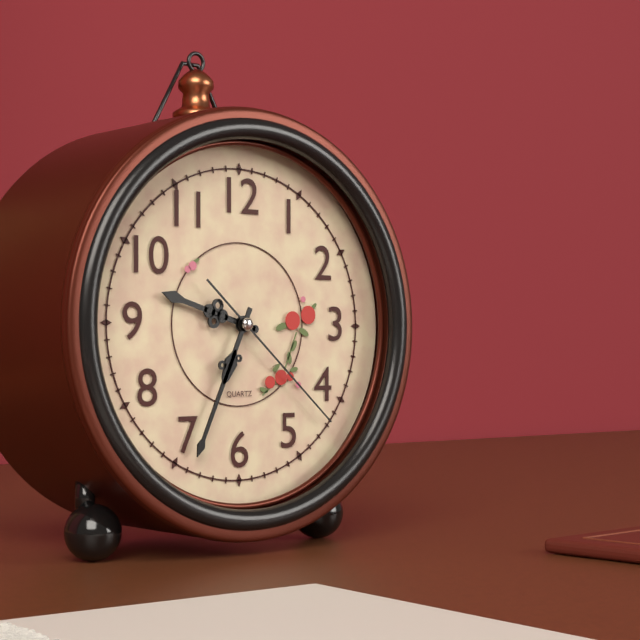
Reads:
9,34,22
